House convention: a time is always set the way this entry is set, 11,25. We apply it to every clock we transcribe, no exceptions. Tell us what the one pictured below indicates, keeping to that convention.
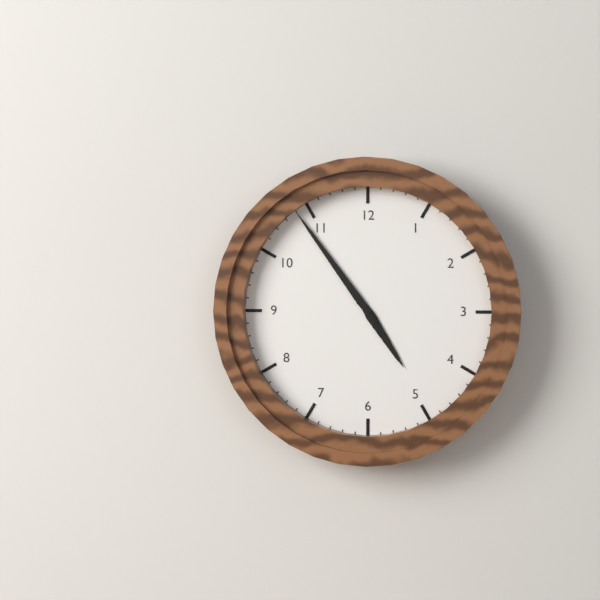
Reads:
4,54
